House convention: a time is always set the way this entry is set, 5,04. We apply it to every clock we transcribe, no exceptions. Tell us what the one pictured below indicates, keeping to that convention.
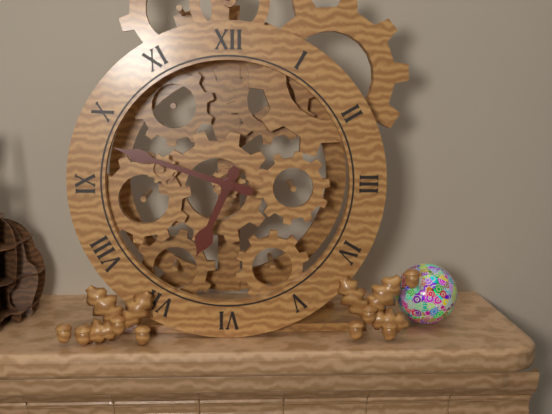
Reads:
6,48
